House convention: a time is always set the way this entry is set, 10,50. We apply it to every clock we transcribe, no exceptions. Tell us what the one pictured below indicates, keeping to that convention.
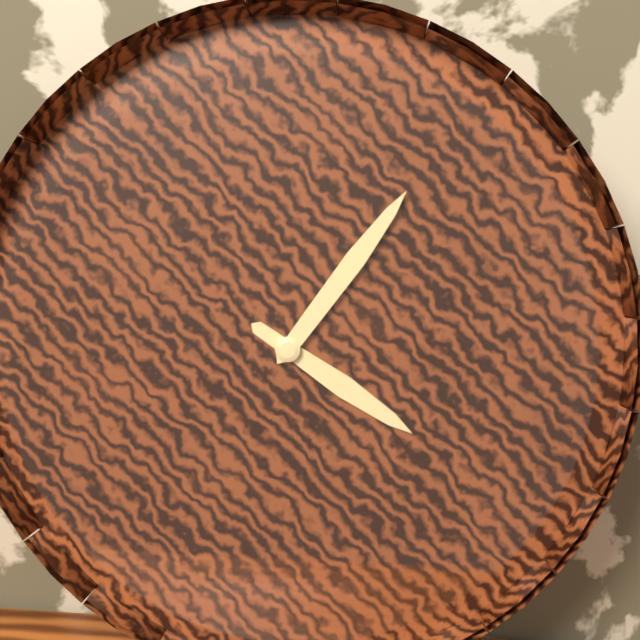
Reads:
4,06
